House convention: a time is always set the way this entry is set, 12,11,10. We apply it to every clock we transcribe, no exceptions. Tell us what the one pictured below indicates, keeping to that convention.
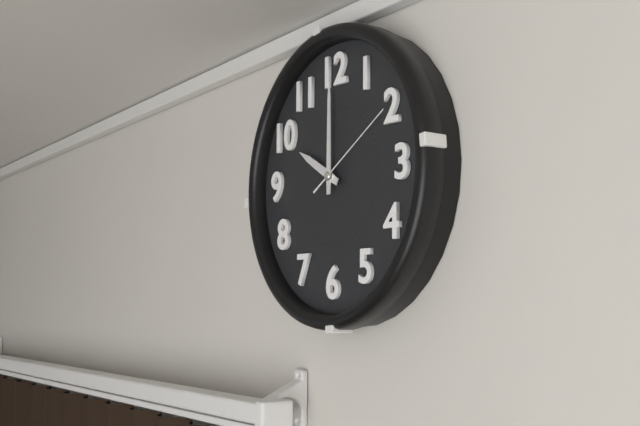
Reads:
10,00,10
